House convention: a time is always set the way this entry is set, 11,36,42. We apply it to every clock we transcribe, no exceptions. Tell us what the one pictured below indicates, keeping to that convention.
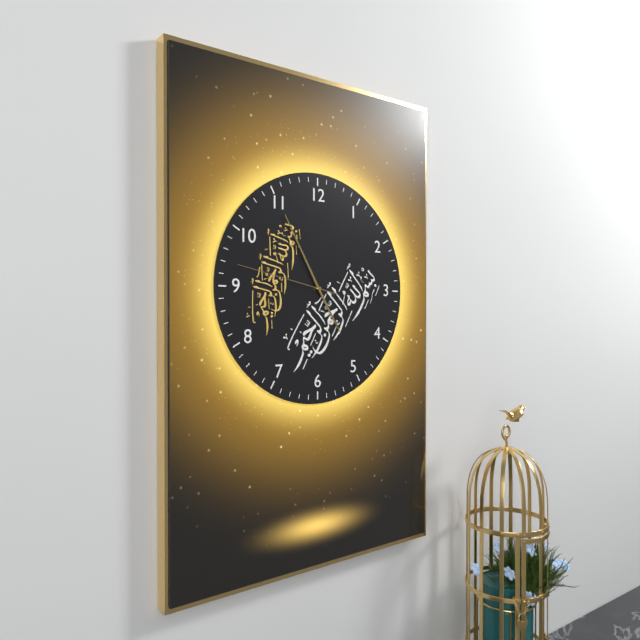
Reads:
4,55,47
